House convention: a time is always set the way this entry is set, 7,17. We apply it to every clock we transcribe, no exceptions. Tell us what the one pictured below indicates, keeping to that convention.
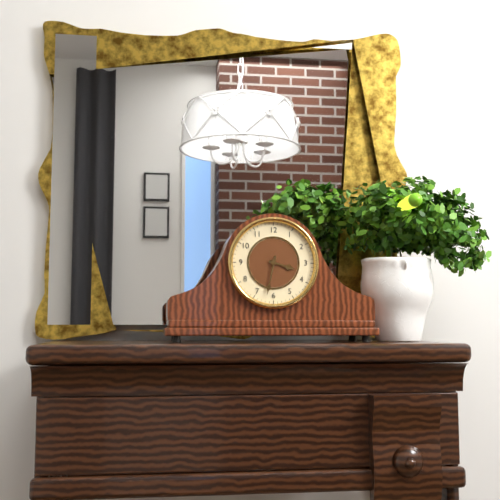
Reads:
3,32
